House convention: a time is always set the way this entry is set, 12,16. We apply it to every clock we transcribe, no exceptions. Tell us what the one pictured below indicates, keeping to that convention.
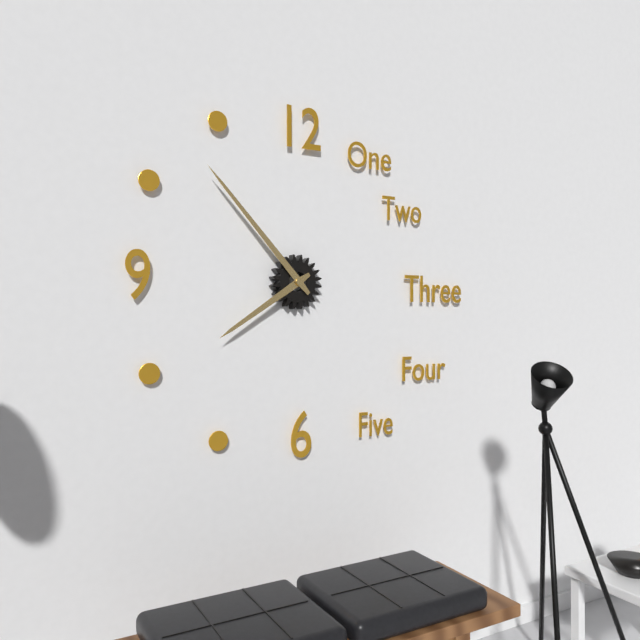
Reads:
7,53
